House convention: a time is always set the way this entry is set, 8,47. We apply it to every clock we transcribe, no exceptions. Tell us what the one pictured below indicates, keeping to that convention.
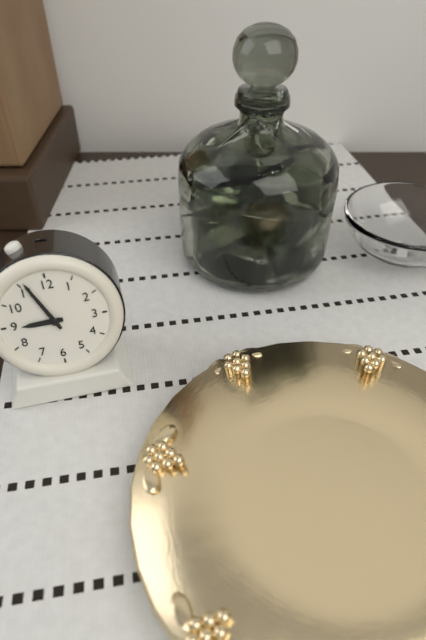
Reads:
8,56
